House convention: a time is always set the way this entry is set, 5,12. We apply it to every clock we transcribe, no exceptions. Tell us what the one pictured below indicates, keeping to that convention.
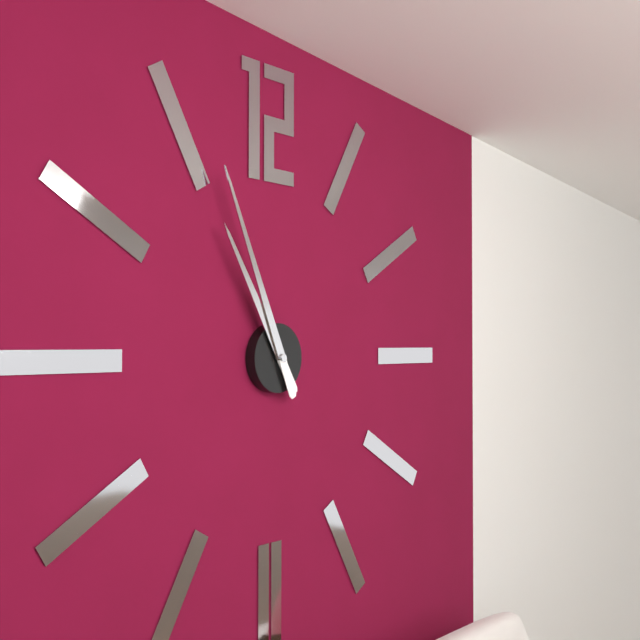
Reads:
10,56
